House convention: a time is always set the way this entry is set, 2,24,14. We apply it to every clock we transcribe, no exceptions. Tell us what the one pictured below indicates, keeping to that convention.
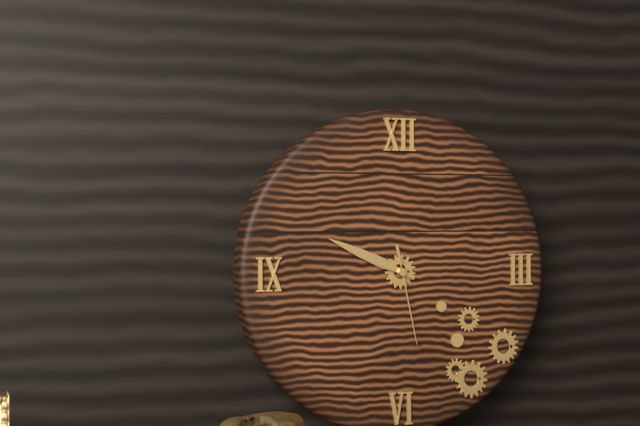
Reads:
9,49,28
